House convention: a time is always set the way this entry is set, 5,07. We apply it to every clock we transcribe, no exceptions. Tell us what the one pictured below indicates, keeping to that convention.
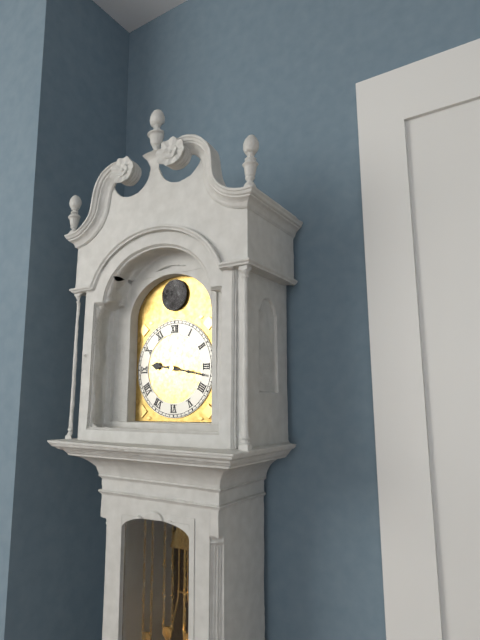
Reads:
9,17
